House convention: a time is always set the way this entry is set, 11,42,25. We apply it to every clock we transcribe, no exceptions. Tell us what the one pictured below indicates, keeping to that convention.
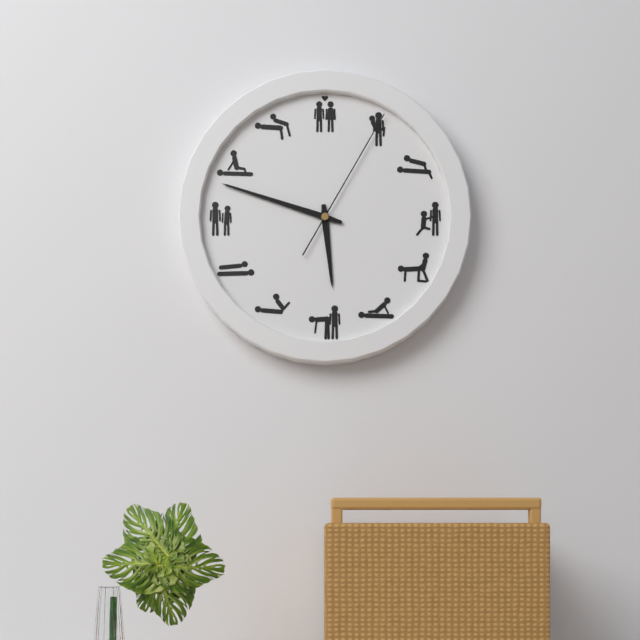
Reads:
5,48,05
